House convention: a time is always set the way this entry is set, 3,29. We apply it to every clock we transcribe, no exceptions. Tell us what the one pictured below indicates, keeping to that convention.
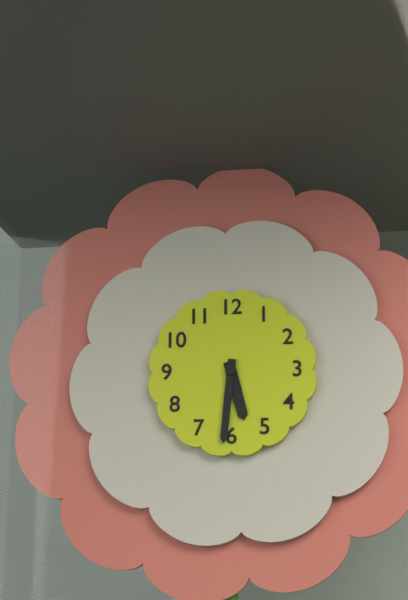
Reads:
5,31
